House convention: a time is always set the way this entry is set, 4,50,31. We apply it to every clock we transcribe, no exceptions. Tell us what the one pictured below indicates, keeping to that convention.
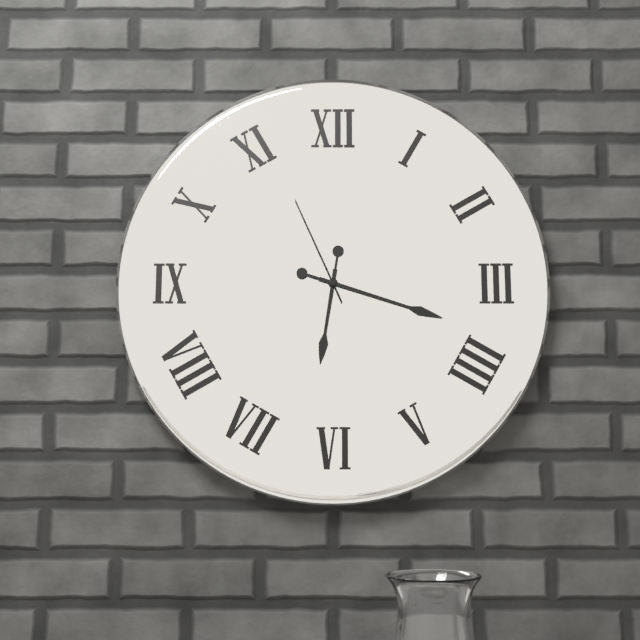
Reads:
6,18,56
